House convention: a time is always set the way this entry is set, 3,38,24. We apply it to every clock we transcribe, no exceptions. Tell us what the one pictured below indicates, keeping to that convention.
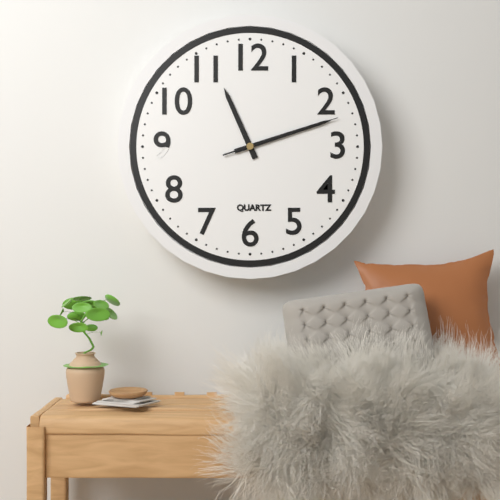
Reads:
11,12,12
